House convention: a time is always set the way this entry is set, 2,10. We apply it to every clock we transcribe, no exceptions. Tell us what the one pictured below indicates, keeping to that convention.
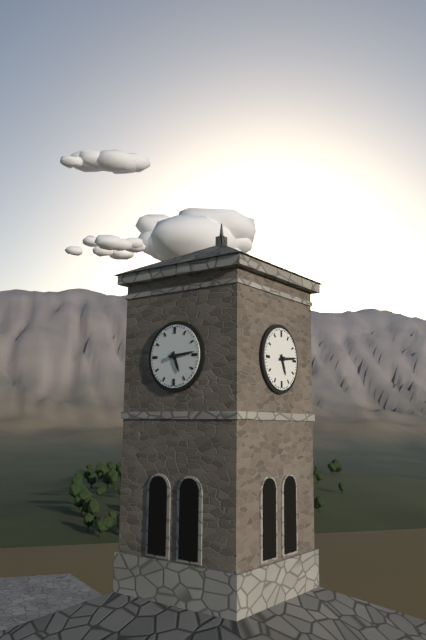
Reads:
5,14
